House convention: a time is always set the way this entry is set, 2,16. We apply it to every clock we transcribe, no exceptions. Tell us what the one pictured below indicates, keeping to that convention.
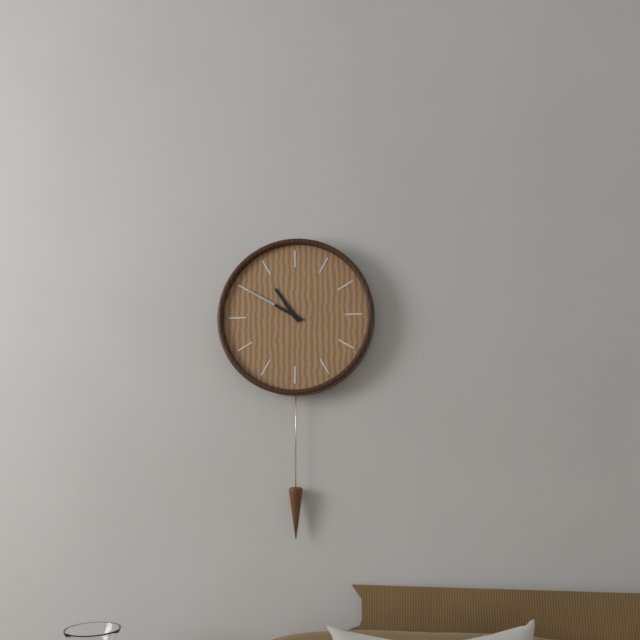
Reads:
10,50
